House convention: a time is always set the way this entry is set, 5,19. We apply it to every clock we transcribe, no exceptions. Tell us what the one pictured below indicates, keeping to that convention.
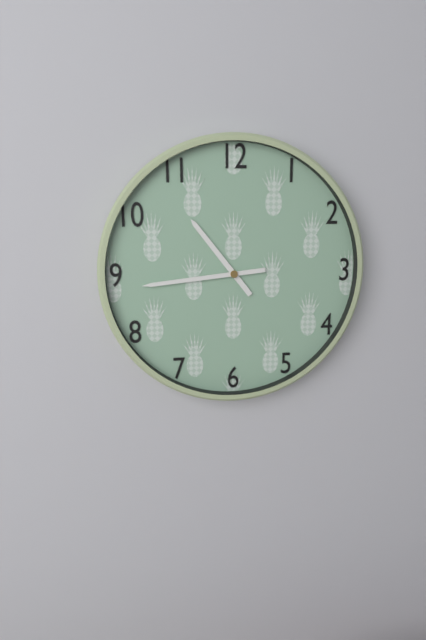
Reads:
10,44
